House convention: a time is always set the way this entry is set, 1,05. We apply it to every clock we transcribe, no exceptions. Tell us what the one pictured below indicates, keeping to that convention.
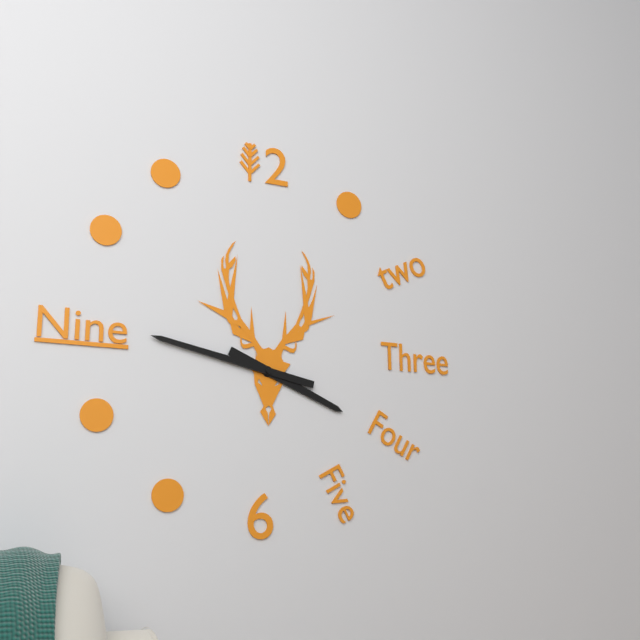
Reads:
3,47
